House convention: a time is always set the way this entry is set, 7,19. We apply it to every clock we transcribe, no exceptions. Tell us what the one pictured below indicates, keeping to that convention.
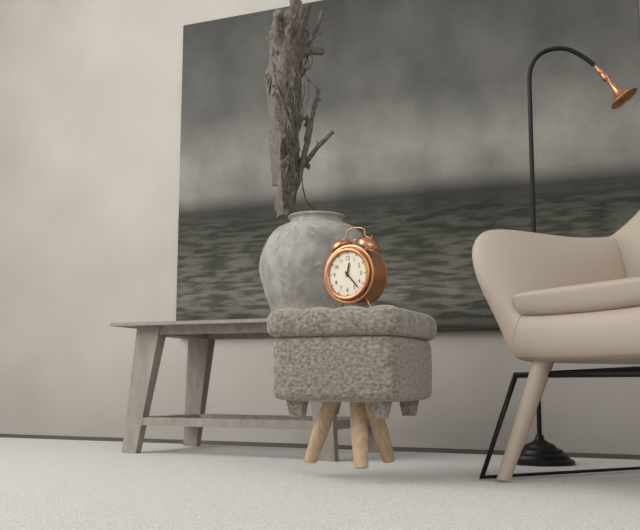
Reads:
12,23
